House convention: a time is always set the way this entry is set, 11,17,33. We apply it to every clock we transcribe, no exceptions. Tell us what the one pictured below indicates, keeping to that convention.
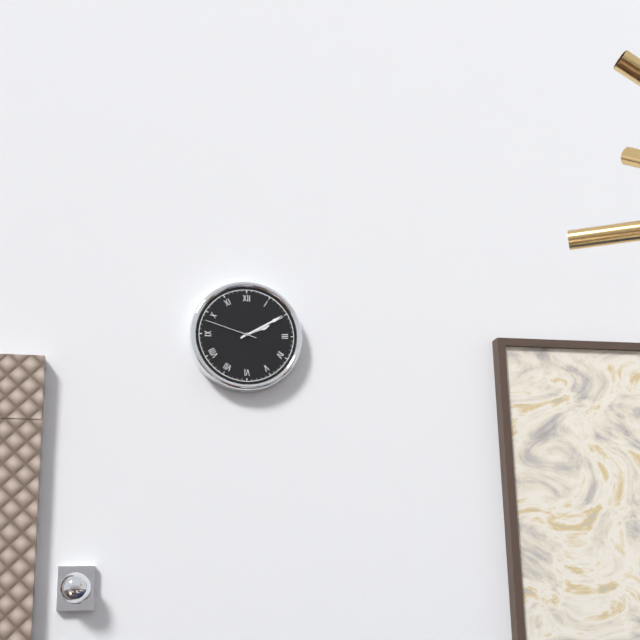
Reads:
2,10,48
